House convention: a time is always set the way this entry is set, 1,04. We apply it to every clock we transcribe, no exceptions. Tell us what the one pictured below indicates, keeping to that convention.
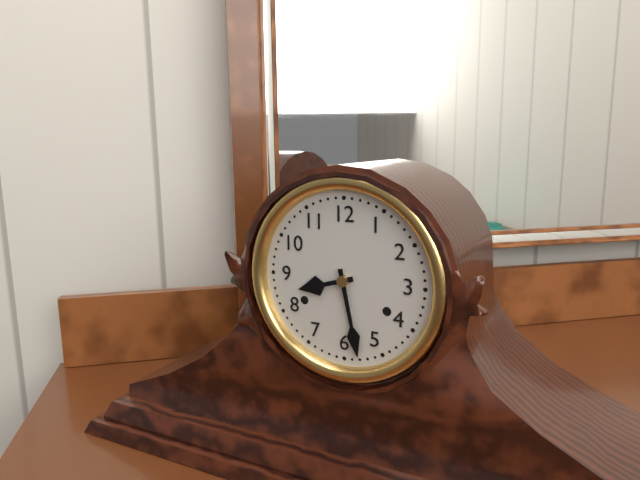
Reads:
8,28
